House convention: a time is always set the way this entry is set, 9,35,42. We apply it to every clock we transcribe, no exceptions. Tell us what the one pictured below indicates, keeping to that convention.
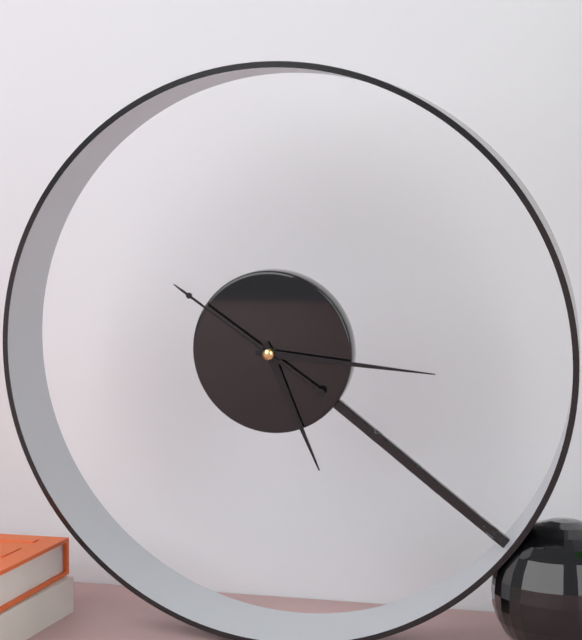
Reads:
5,16,51
